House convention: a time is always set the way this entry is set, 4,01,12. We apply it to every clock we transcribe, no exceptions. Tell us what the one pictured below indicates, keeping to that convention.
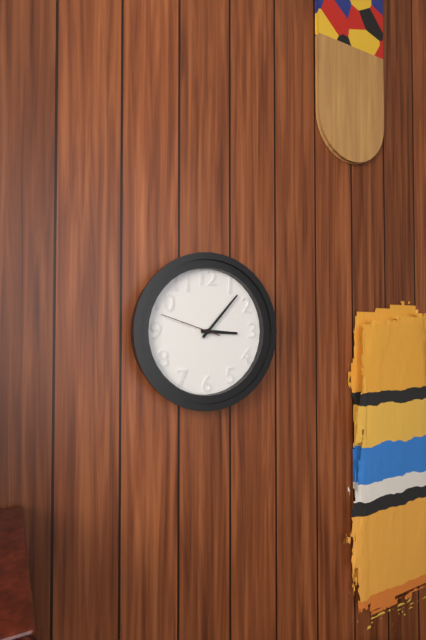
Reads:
3,07,48
